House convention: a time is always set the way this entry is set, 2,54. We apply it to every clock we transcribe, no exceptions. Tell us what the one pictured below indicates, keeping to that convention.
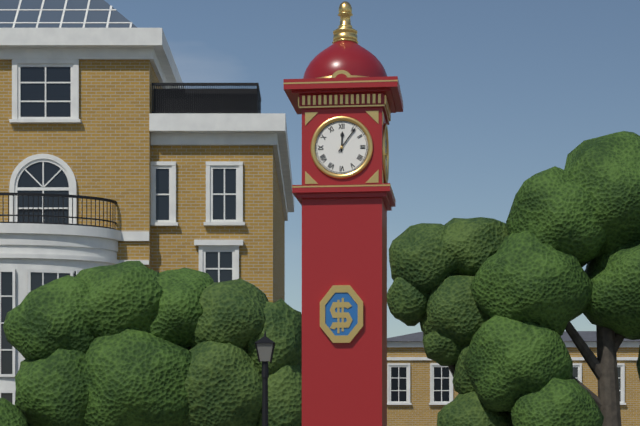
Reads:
12,06
